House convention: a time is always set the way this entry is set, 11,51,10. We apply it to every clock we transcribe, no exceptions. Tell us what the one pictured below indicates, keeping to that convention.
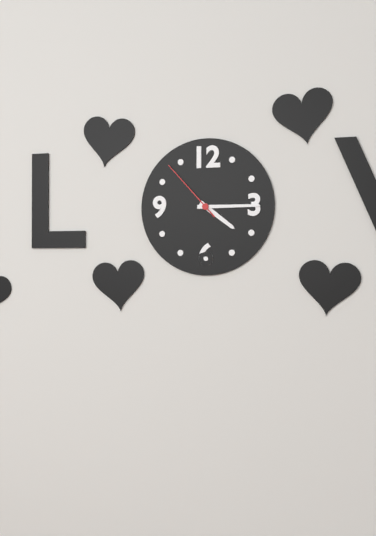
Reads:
4,15,53
